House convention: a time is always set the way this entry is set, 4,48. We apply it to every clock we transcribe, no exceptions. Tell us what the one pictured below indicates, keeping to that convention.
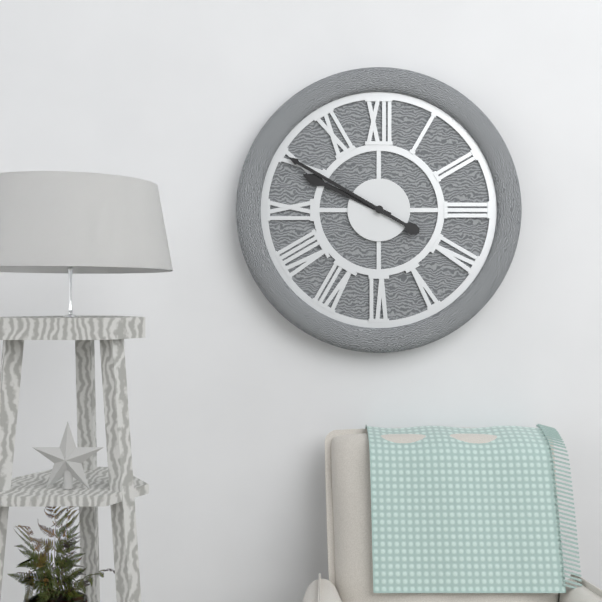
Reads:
9,50
